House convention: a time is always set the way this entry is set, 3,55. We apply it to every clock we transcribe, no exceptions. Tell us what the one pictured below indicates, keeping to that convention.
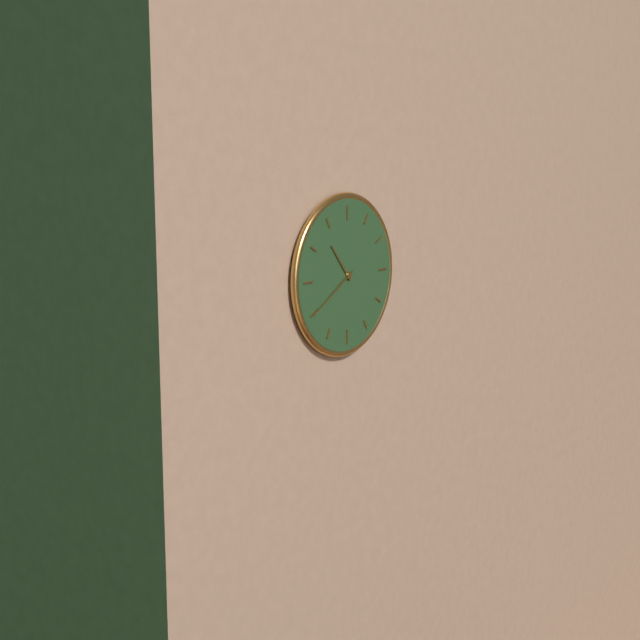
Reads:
10,40
